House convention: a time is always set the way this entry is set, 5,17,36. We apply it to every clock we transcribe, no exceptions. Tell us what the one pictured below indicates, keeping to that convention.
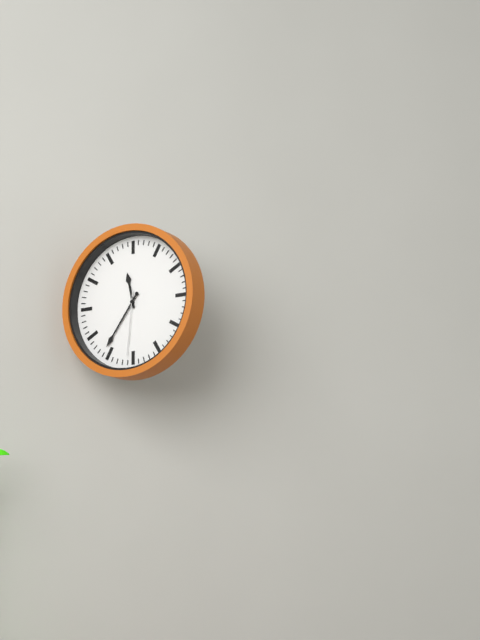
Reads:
11,36,31
